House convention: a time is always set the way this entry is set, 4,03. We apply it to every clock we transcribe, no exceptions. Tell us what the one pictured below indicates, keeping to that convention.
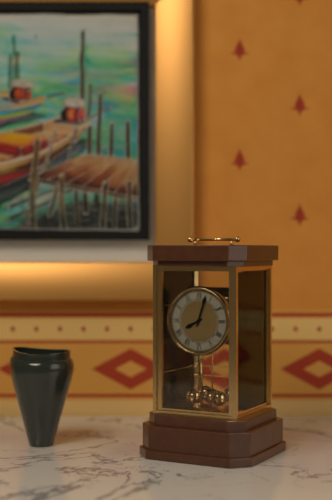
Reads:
8,03
